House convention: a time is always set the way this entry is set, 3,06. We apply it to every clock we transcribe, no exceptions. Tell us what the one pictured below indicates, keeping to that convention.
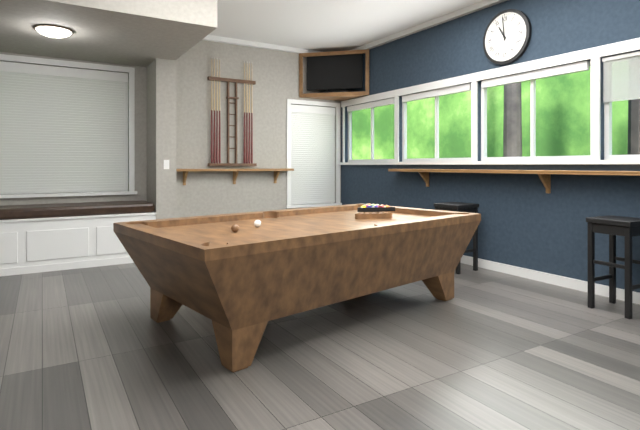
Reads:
10,59
